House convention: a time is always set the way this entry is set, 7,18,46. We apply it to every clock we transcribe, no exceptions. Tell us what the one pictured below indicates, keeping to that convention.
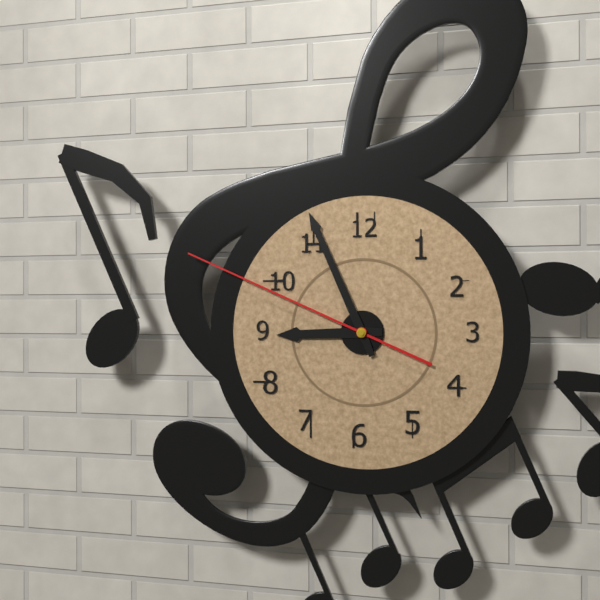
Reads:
8,56,49
